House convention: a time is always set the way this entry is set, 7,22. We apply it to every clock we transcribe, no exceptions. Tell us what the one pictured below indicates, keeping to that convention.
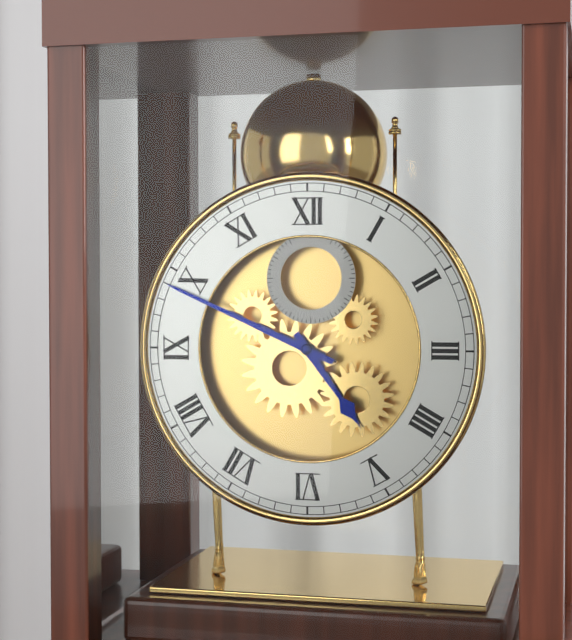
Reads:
4,49
